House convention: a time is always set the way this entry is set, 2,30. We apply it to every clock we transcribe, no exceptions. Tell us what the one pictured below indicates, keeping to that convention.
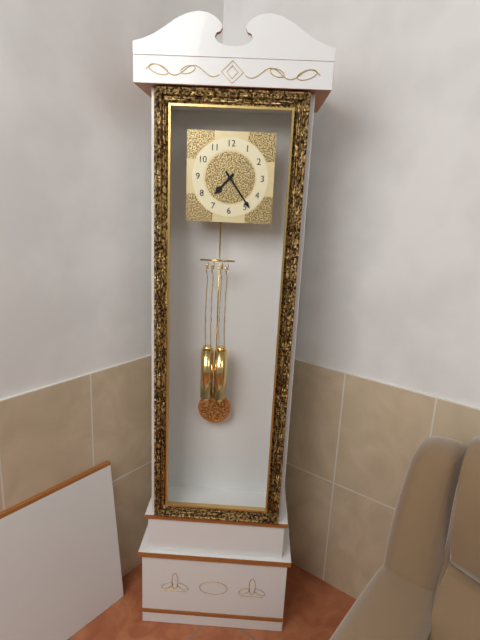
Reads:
7,24
